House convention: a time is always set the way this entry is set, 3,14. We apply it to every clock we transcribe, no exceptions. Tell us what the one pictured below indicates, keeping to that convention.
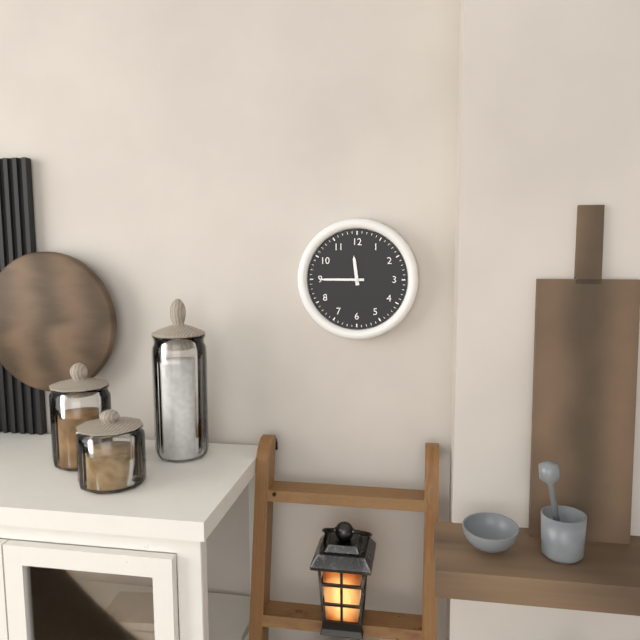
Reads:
11,45
